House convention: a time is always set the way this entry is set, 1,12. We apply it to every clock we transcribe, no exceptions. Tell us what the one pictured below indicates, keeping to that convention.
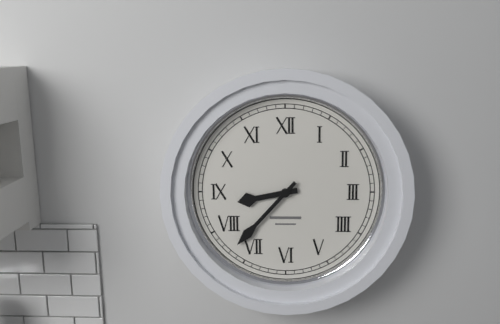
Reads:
8,37
